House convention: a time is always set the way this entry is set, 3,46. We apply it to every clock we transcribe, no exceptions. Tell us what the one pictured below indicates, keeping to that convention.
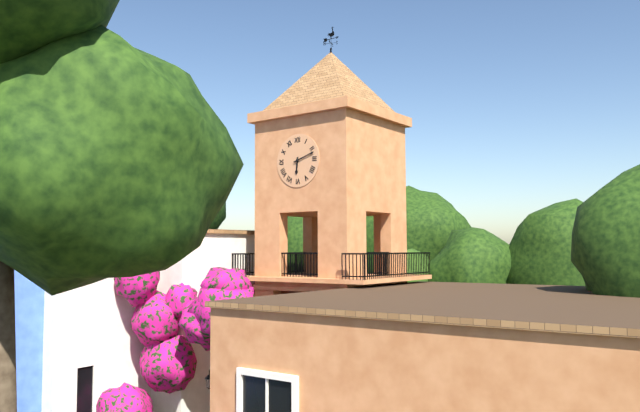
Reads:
6,12
